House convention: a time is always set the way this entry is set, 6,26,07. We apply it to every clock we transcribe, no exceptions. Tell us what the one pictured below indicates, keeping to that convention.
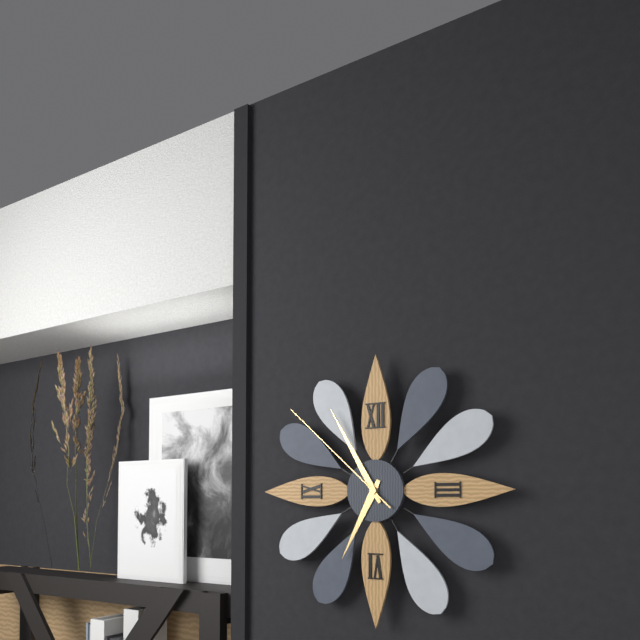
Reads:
6,55,52
